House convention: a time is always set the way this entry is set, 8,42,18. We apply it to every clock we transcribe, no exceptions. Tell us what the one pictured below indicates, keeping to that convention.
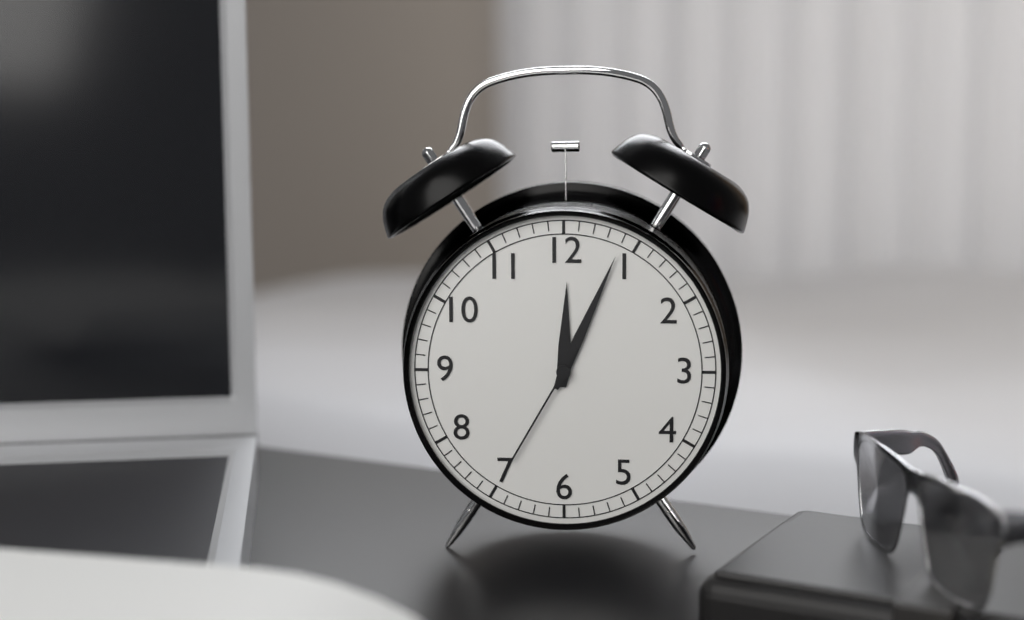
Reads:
12,04,35
